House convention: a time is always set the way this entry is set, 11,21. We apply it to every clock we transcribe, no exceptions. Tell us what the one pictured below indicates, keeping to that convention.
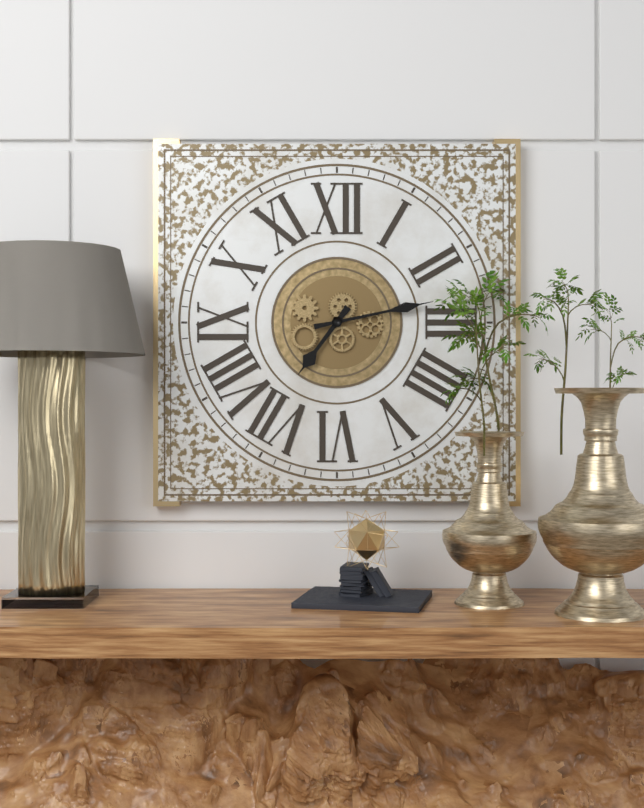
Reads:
7,13
